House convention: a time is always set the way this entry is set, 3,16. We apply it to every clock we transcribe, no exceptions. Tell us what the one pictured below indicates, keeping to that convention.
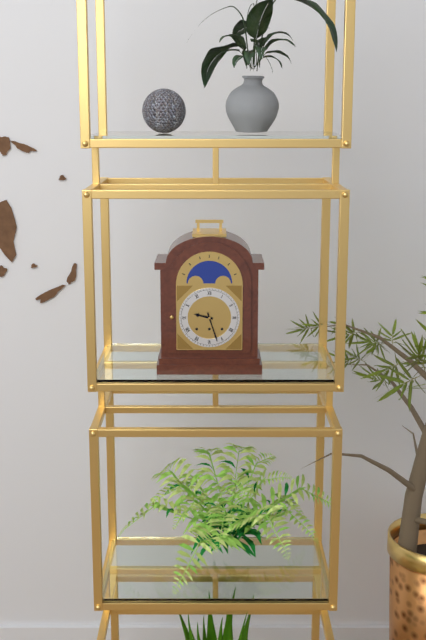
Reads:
9,27
